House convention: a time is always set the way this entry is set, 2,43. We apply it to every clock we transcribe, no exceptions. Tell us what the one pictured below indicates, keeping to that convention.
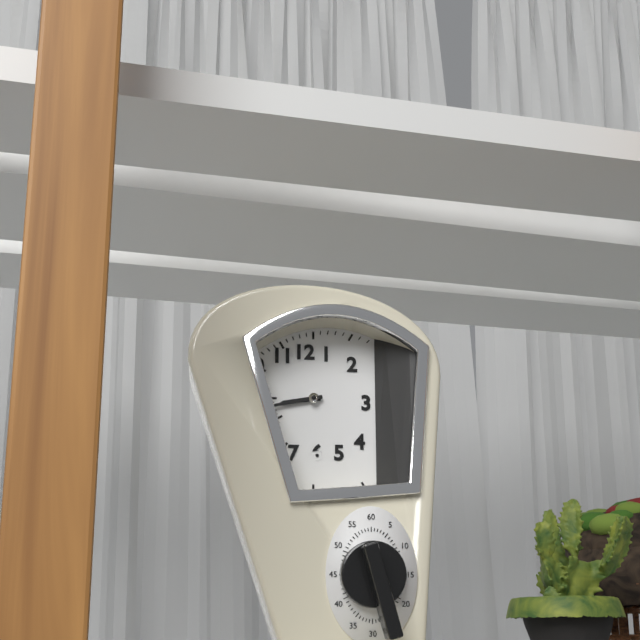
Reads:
8,43
